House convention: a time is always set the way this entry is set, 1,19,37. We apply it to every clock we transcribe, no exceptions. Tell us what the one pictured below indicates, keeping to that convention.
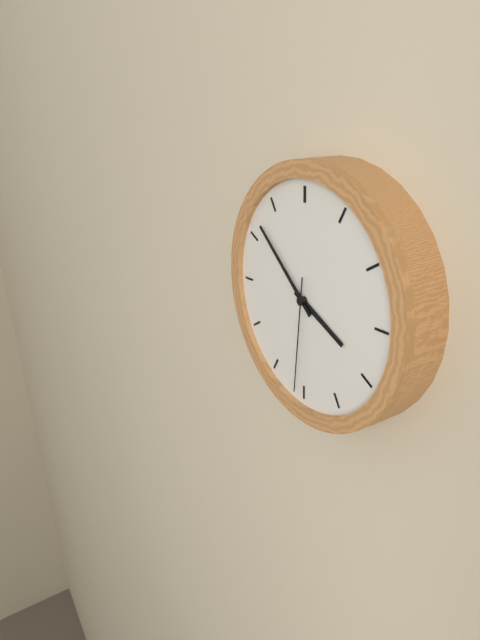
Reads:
3,52,31
